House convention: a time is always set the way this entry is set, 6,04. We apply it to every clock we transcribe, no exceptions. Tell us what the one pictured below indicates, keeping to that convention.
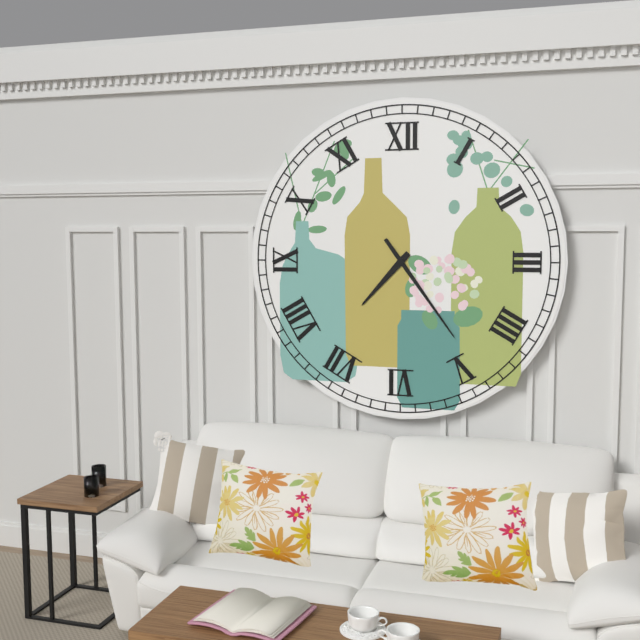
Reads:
7,24
